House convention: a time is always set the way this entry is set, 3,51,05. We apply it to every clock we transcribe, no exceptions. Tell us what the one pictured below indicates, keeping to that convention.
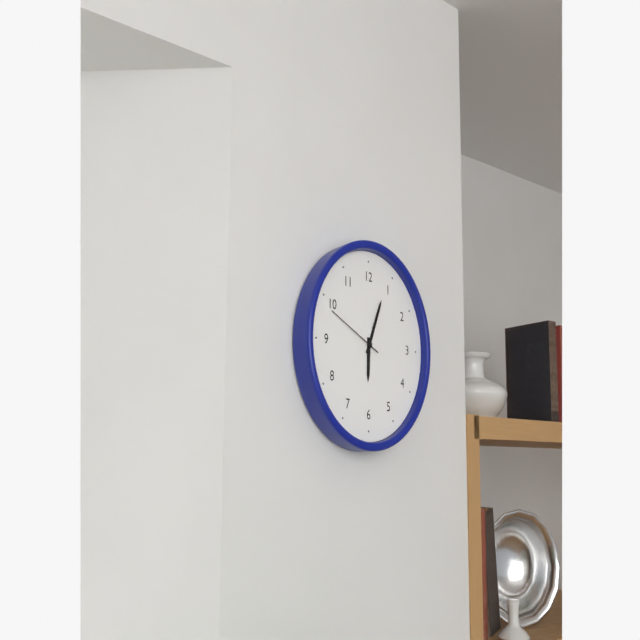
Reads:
6,04,49
